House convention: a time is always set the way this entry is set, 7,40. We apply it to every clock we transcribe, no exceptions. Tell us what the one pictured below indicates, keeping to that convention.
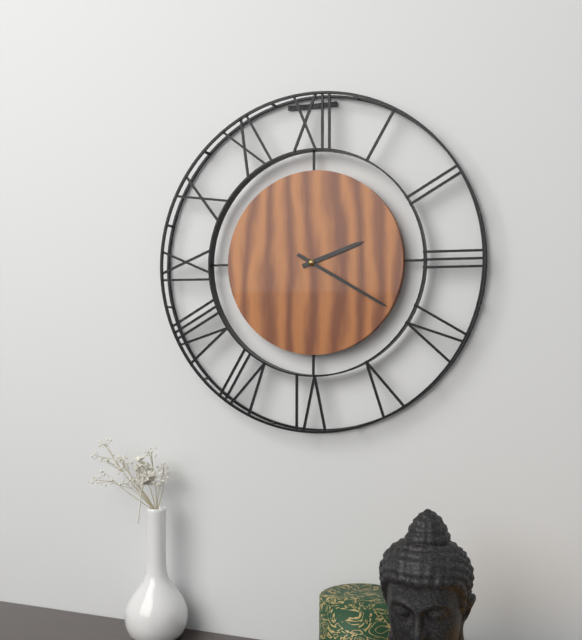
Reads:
2,20
